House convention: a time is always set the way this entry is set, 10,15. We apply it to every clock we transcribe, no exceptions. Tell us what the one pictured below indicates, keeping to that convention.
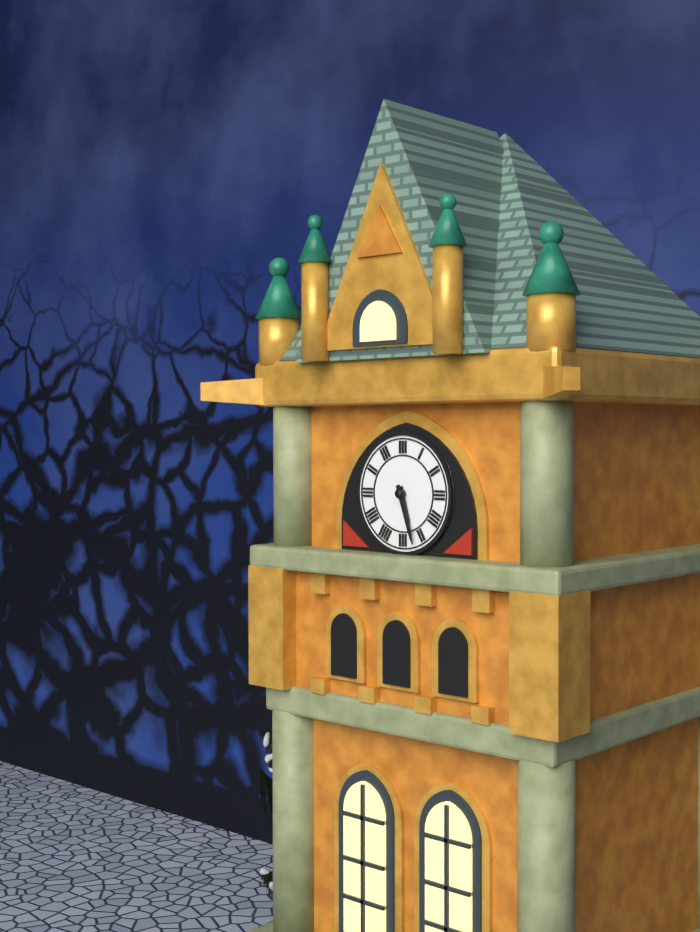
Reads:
5,27
